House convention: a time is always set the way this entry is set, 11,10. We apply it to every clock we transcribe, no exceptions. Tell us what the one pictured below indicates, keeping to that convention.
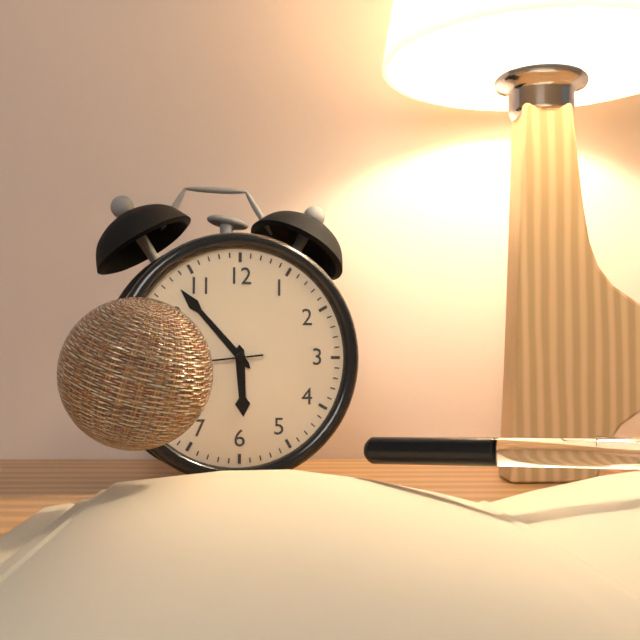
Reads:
5,53
